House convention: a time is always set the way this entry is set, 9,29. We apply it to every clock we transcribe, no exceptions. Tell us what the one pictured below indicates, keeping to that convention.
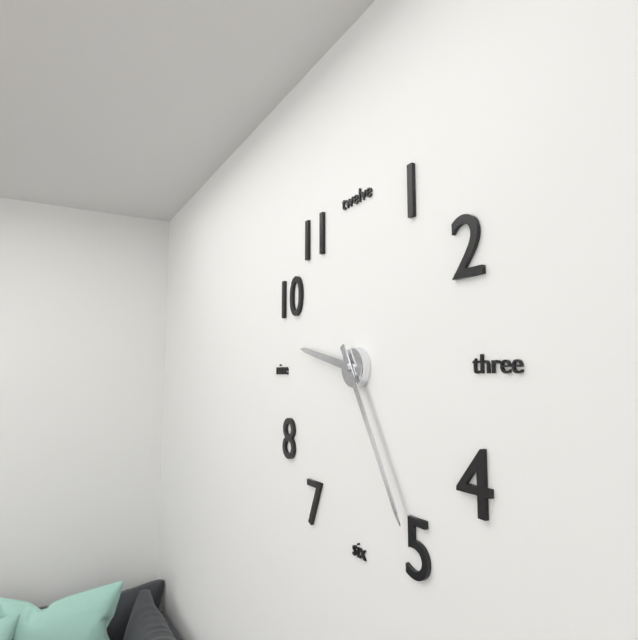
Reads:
9,25
